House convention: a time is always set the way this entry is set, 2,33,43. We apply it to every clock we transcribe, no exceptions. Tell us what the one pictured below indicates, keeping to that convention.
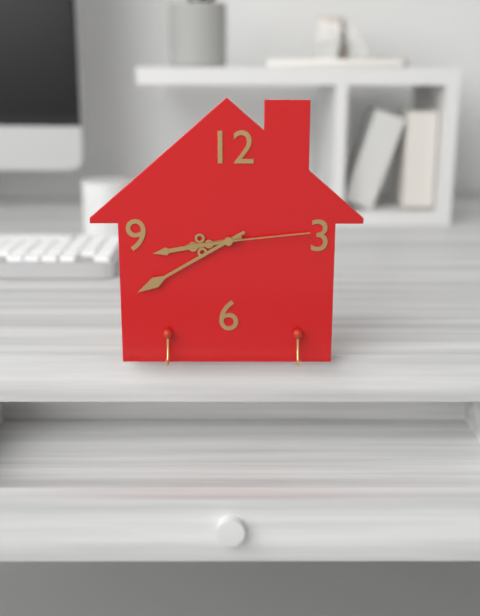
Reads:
8,40,14
